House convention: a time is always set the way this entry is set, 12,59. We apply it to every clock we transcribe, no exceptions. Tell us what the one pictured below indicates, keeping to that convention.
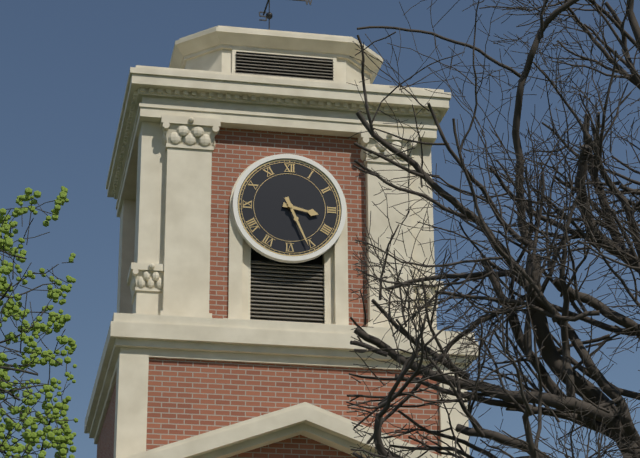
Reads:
3,26
